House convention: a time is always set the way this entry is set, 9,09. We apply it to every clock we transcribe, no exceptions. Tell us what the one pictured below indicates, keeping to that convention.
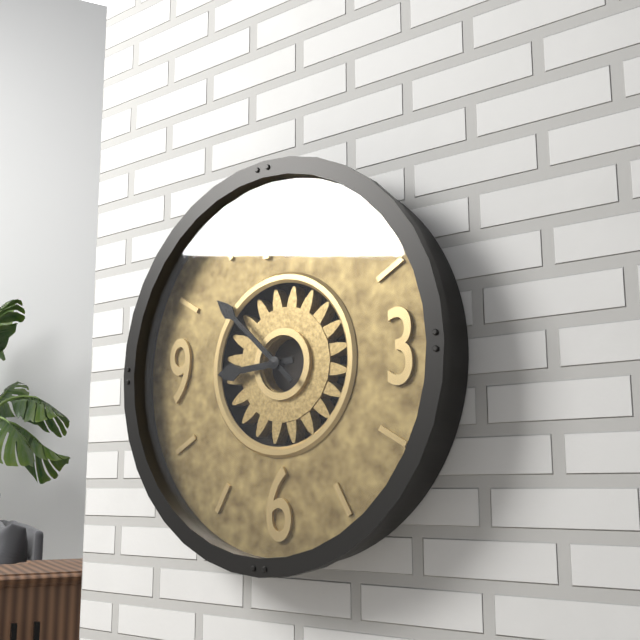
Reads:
8,52
